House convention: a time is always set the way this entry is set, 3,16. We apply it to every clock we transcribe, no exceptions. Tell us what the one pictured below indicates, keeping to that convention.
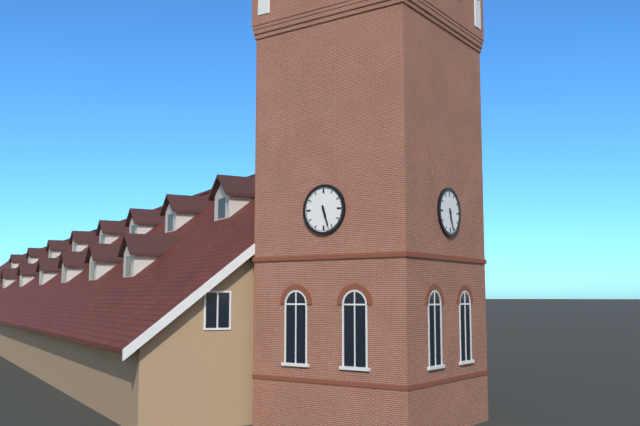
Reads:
5,27
